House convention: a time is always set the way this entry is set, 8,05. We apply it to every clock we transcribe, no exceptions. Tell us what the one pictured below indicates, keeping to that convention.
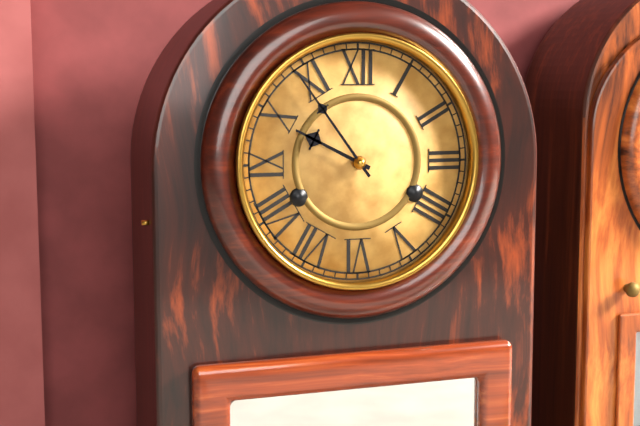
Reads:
9,54
